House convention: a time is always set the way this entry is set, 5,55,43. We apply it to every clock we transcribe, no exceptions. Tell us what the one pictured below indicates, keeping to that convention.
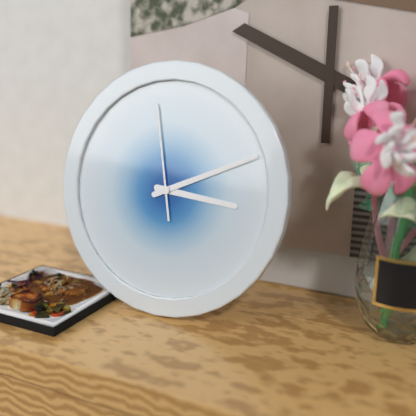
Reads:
3,11,58
